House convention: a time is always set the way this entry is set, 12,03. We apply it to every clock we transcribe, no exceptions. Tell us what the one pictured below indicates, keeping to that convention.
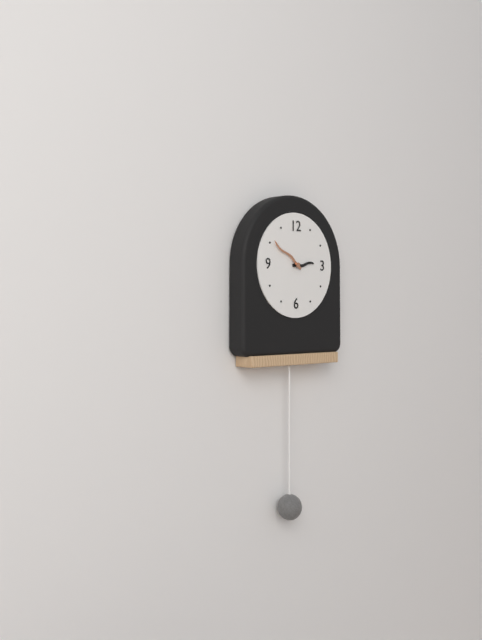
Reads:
2,51
